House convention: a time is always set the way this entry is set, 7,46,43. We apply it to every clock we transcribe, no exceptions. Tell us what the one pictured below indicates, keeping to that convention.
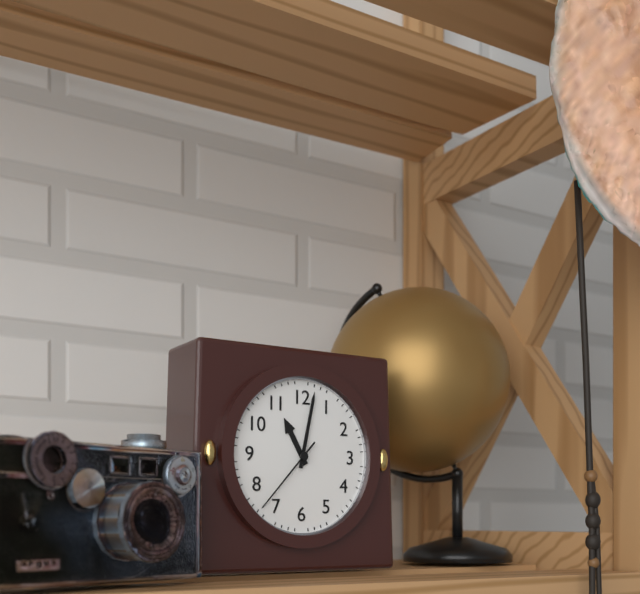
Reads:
11,02,37
